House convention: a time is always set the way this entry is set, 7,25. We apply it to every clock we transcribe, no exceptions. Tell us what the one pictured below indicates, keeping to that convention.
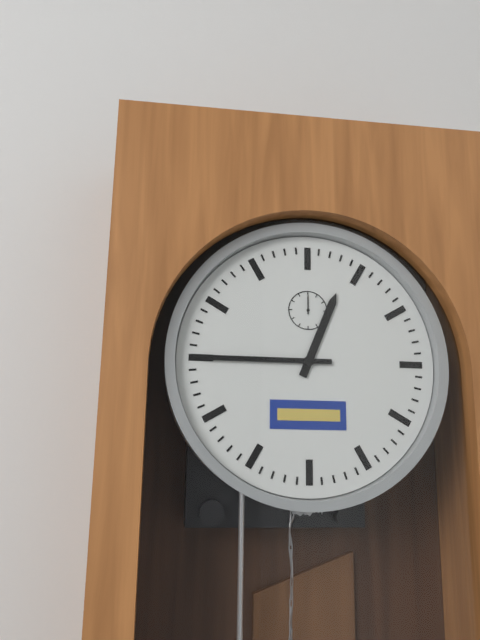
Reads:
12,45
